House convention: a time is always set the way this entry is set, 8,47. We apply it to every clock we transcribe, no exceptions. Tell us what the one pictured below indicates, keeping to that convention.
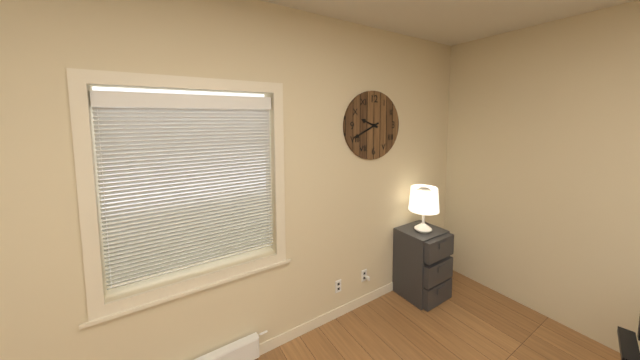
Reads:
9,41
